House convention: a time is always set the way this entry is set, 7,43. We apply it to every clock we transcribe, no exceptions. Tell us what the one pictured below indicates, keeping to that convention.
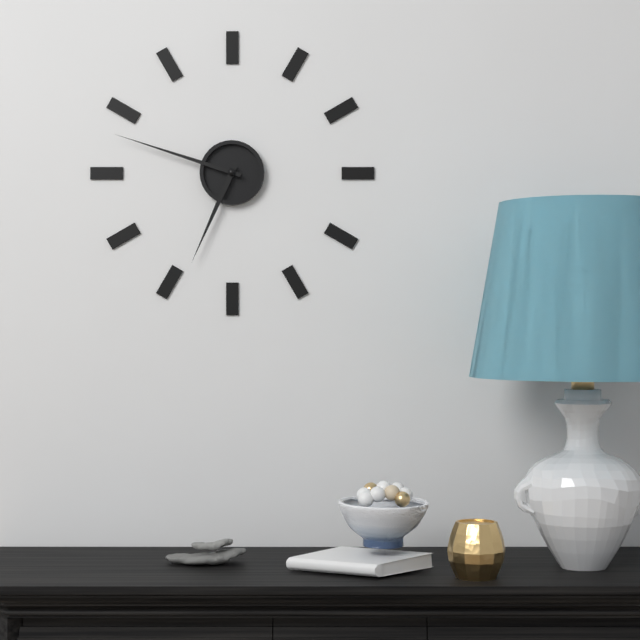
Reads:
6,48
